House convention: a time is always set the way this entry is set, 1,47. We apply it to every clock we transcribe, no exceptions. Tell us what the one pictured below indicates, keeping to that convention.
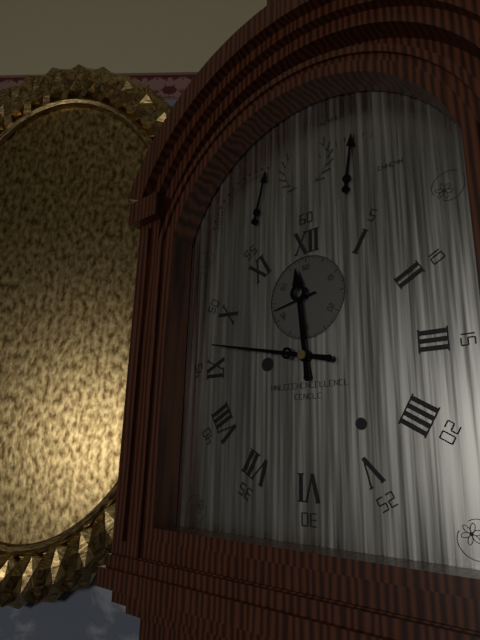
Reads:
11,47
